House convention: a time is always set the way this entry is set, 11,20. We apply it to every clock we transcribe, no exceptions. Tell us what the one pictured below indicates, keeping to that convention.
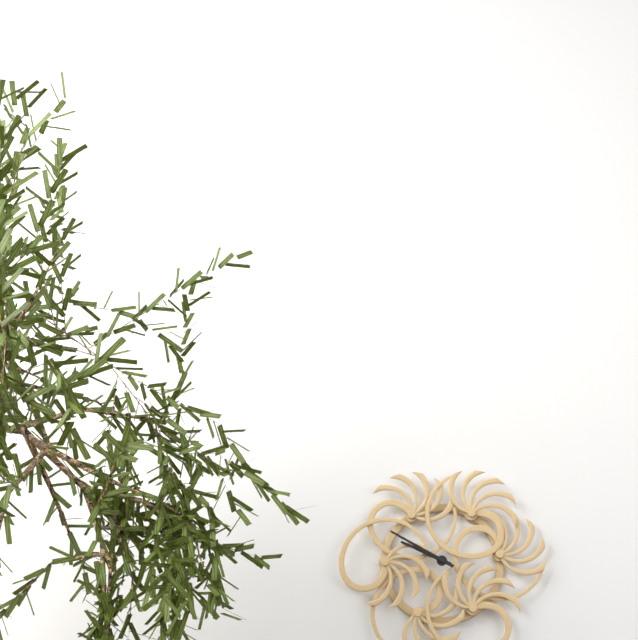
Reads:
9,50
